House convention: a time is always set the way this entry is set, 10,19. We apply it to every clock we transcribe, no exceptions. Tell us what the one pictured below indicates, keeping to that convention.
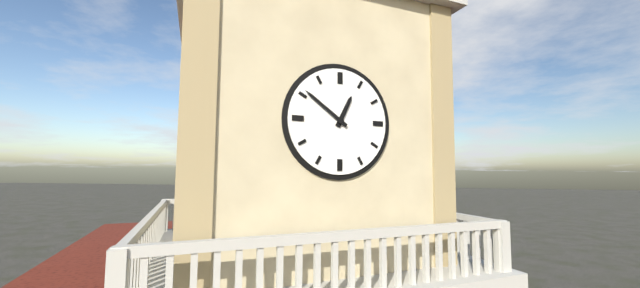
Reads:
12,51
